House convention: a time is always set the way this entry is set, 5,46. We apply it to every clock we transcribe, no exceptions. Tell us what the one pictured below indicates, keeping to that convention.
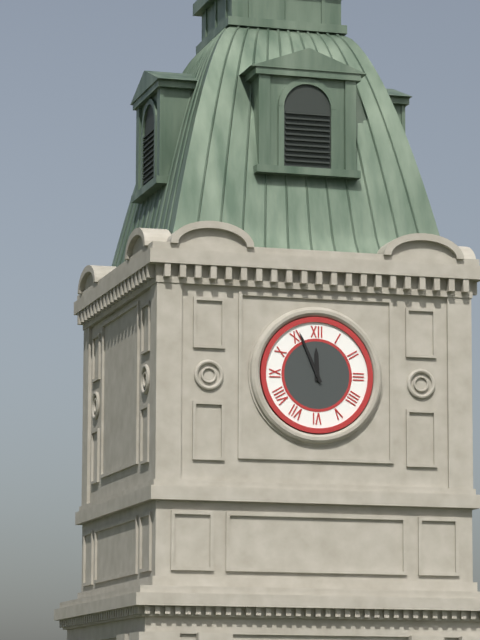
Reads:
11,56
